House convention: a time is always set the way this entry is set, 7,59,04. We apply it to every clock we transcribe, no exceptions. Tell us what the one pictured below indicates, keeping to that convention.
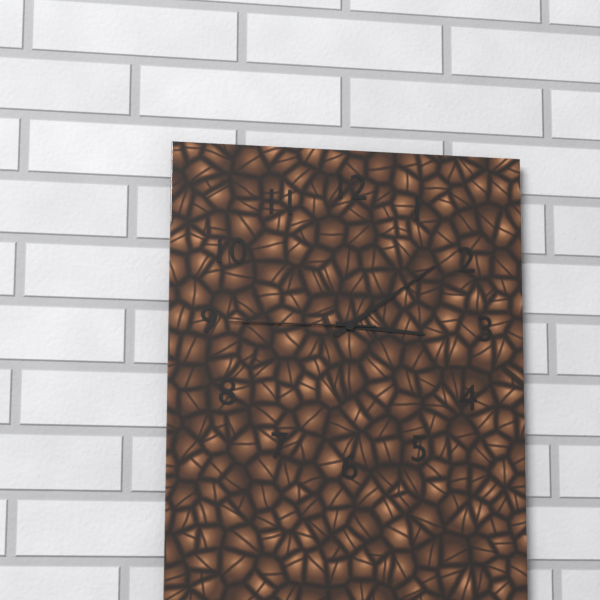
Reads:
3,09,45
